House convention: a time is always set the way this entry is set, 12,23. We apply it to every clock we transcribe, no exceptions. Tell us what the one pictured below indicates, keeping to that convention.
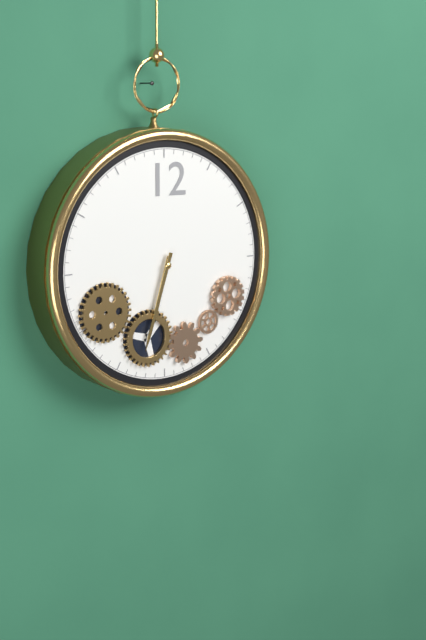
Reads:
6,33
